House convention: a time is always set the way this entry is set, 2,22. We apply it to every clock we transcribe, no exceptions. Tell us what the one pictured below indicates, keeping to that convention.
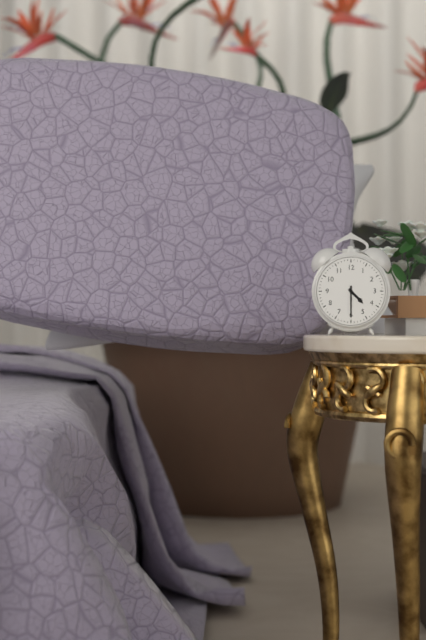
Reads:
4,30
